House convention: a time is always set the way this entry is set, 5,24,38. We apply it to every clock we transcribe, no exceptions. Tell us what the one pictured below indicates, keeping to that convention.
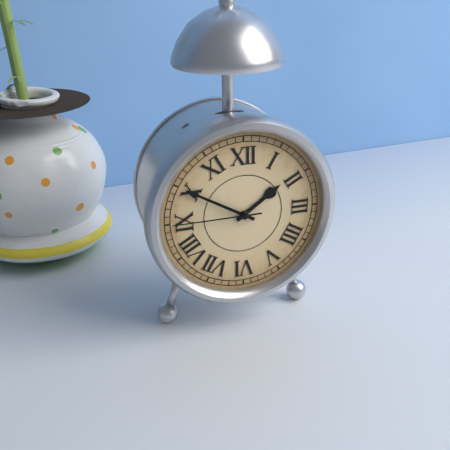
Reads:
1,50,45
